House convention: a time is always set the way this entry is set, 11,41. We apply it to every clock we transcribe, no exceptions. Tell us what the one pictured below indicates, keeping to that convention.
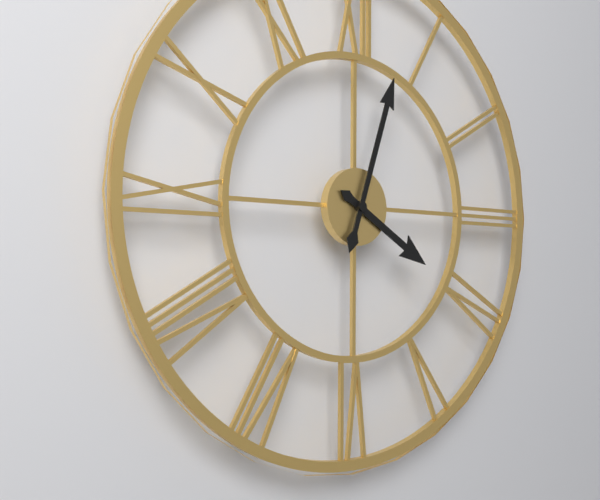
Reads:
4,03
